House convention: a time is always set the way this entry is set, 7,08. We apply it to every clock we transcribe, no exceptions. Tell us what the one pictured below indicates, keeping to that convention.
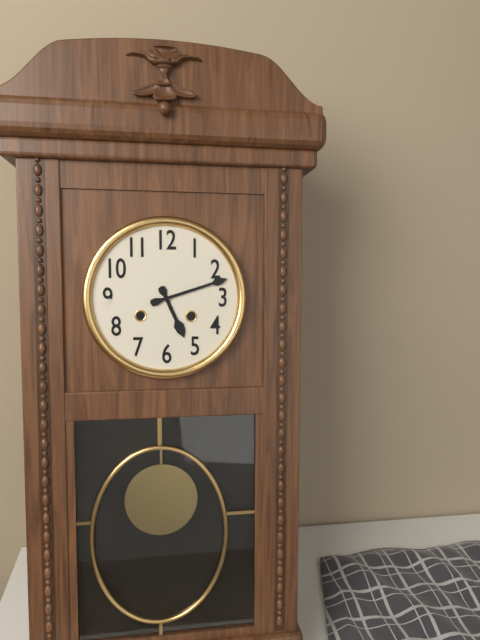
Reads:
5,12
